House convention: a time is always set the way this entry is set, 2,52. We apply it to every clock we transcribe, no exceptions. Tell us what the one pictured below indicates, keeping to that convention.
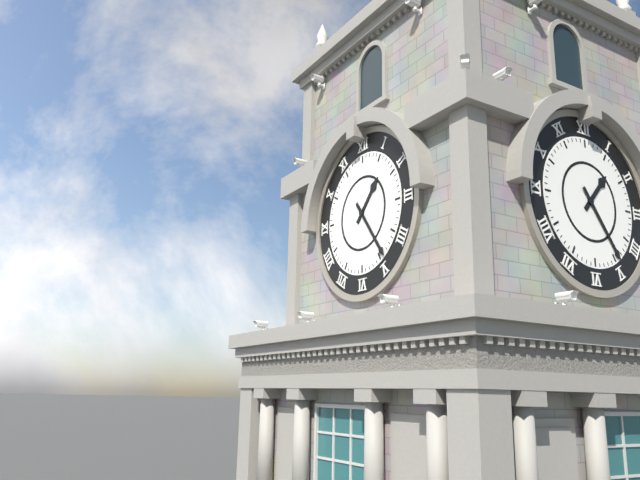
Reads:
1,24
